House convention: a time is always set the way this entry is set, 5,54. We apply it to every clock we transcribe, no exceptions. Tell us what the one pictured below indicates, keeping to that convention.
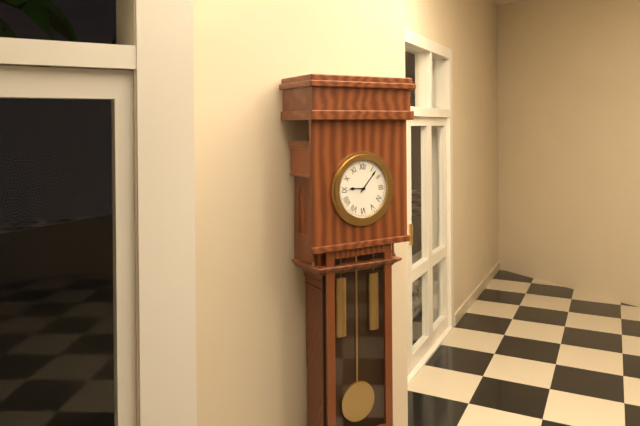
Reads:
9,07
